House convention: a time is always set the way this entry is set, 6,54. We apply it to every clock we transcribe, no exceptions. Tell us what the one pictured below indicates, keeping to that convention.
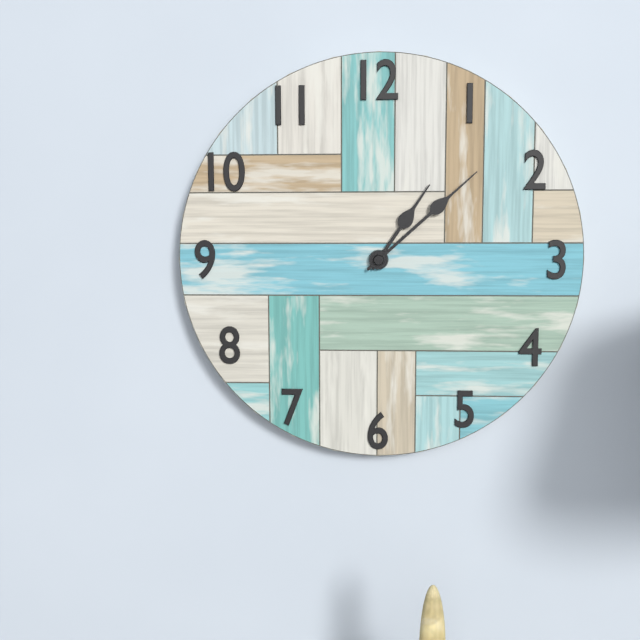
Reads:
1,08
